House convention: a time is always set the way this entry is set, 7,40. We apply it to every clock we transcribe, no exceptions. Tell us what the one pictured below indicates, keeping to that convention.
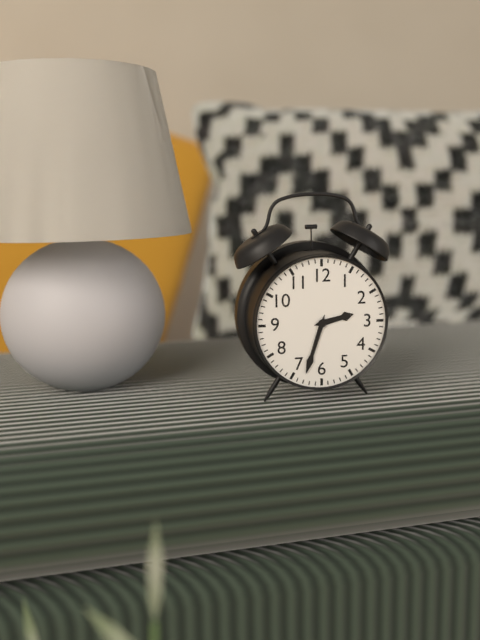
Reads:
2,33
